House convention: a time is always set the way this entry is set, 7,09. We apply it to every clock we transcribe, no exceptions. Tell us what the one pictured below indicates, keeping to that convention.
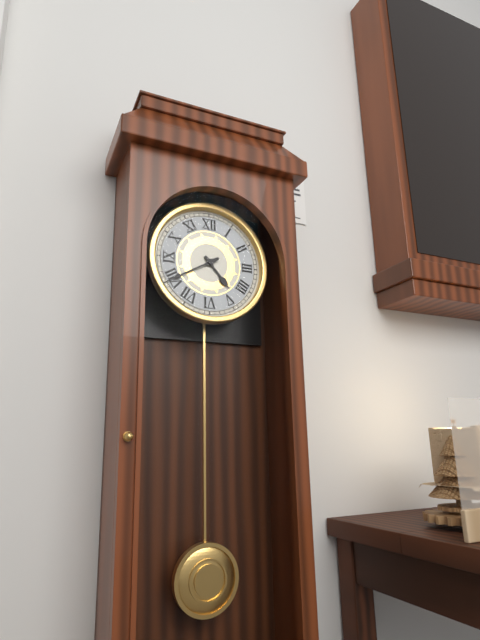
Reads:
4,40
